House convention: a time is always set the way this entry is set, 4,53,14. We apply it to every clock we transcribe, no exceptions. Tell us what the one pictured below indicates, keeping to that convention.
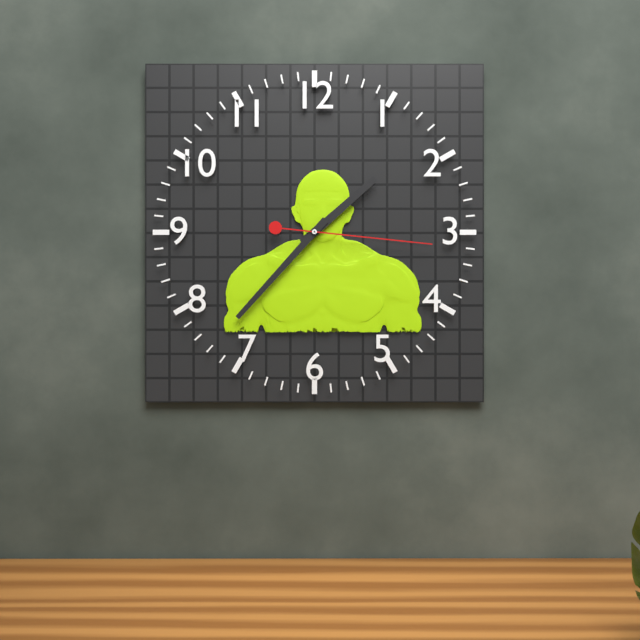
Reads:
1,37,16
